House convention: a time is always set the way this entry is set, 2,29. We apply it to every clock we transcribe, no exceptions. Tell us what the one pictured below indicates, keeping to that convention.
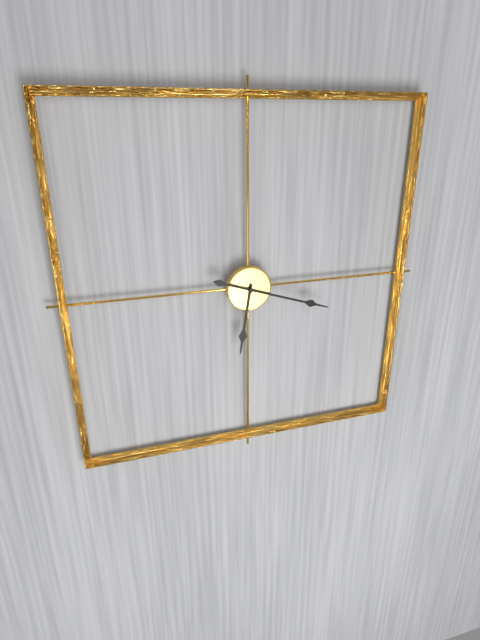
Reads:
6,18
